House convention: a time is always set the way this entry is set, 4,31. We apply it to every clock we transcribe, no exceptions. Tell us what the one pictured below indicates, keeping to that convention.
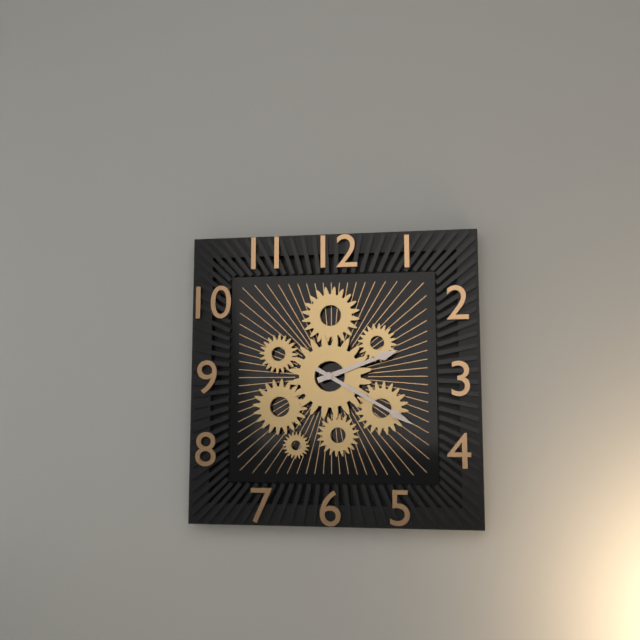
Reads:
2,20
